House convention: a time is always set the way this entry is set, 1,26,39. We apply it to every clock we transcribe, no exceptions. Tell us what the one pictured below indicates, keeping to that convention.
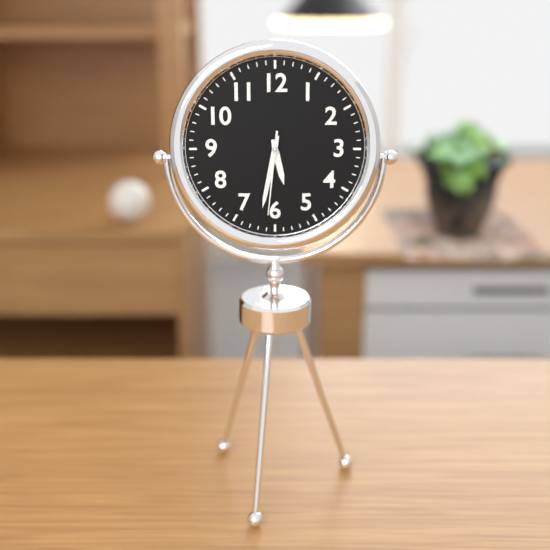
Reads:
5,32,31
